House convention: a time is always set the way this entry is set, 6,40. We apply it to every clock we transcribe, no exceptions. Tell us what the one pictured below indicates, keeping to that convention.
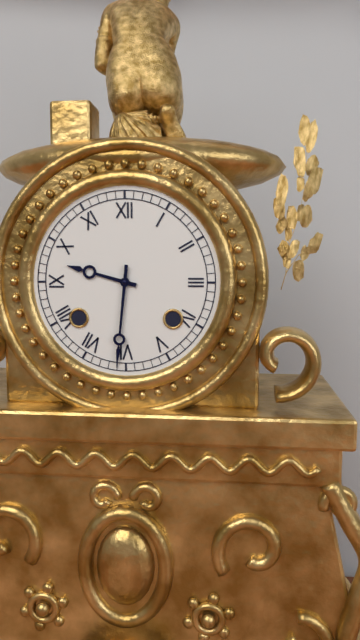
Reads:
9,31
